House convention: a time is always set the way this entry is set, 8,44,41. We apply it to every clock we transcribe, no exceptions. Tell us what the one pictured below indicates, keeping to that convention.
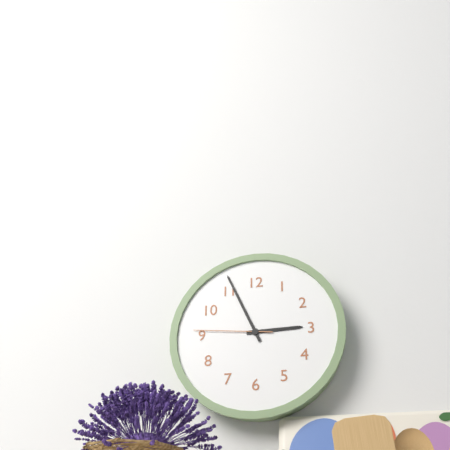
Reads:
2,56,46
